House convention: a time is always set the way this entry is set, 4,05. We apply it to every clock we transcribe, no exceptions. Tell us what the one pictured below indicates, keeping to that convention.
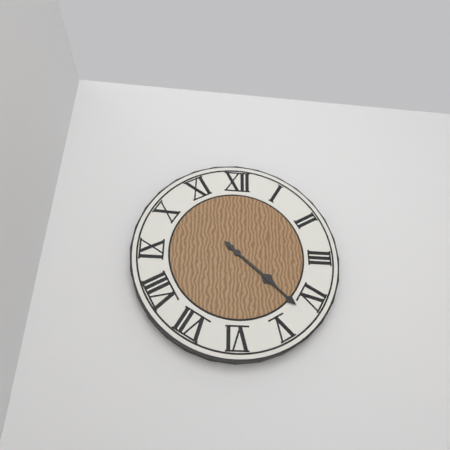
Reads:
4,22
